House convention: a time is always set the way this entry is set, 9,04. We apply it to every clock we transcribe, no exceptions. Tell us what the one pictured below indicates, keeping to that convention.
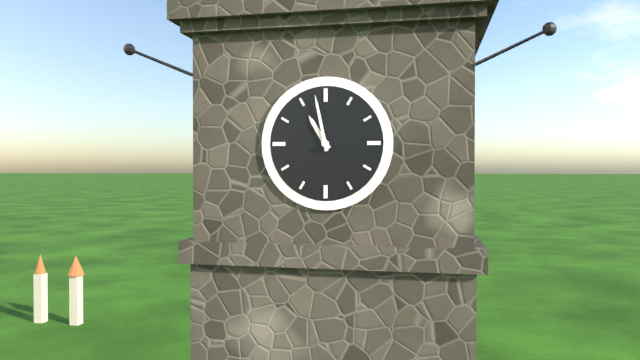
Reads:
10,58
